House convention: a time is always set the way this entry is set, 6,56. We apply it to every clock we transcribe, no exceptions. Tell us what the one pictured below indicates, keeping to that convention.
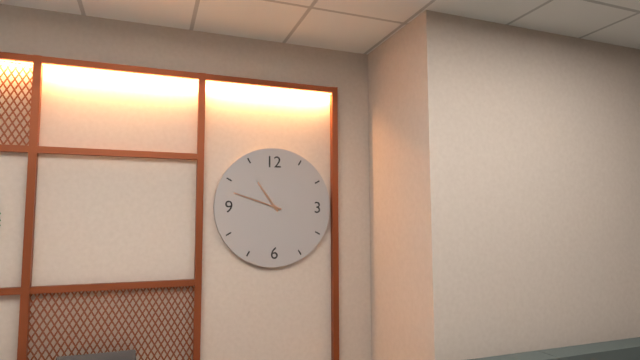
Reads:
10,48
